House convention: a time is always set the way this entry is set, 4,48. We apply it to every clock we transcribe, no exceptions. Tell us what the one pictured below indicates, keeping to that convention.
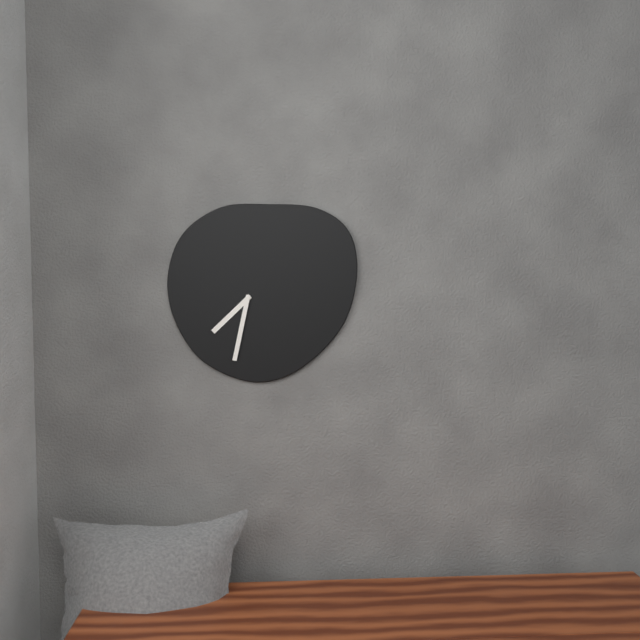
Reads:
7,32
